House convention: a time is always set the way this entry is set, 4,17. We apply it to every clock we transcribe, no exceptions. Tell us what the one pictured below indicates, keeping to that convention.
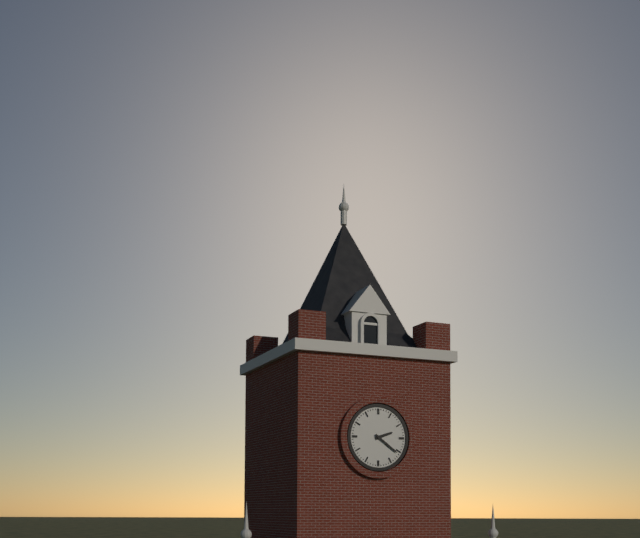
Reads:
2,21
